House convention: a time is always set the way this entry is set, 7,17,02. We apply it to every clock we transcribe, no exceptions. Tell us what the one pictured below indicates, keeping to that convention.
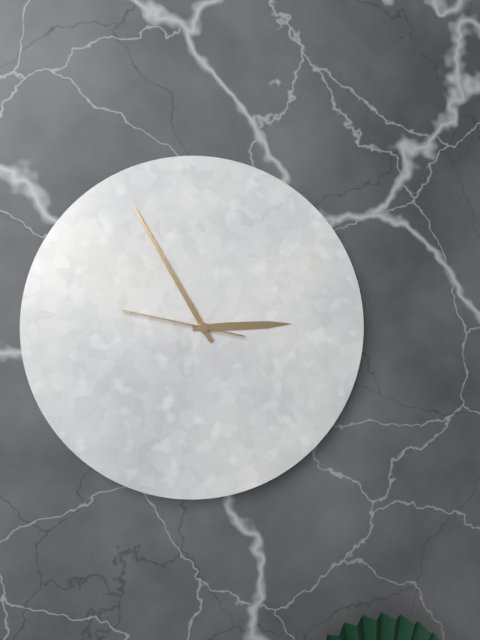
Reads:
2,55,47
